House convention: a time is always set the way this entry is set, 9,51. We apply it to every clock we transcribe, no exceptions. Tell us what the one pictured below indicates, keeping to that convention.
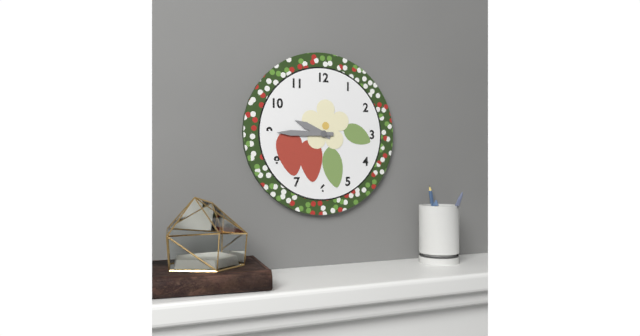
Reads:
9,45
